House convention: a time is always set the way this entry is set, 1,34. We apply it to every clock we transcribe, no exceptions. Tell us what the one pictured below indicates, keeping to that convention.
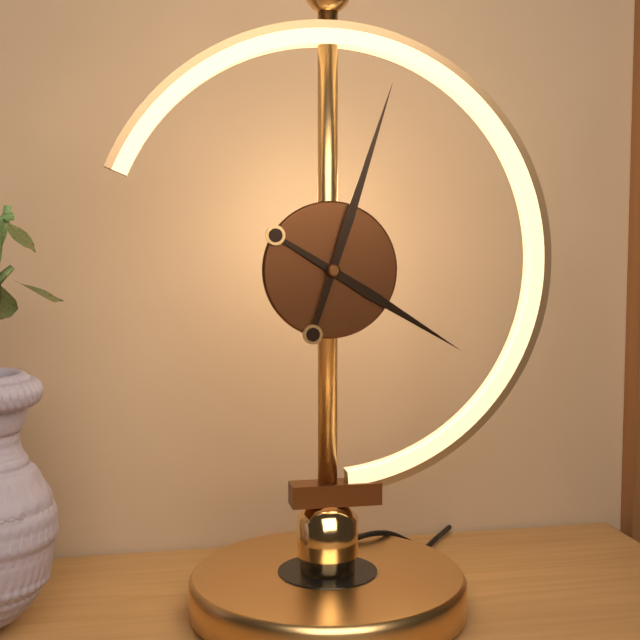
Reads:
4,03
